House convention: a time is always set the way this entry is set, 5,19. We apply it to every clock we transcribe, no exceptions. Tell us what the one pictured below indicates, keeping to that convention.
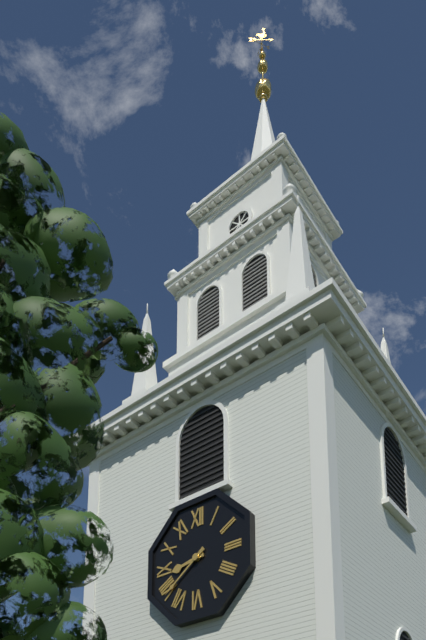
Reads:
8,39
